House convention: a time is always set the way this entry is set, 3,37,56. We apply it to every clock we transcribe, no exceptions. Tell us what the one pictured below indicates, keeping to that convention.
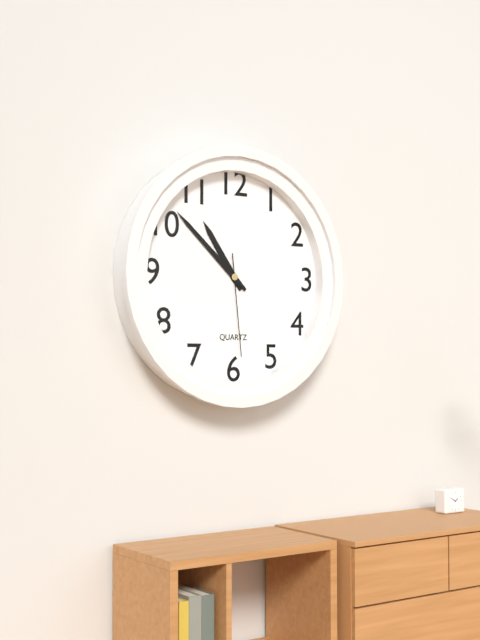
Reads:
10,52,29
